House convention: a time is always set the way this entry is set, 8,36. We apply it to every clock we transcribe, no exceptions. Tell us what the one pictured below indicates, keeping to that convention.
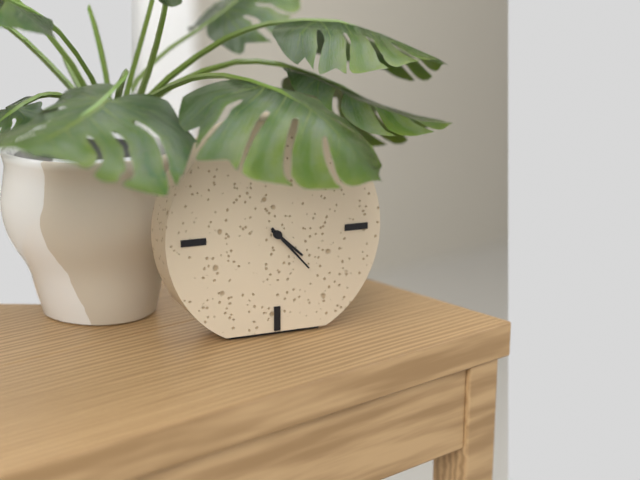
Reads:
4,23
